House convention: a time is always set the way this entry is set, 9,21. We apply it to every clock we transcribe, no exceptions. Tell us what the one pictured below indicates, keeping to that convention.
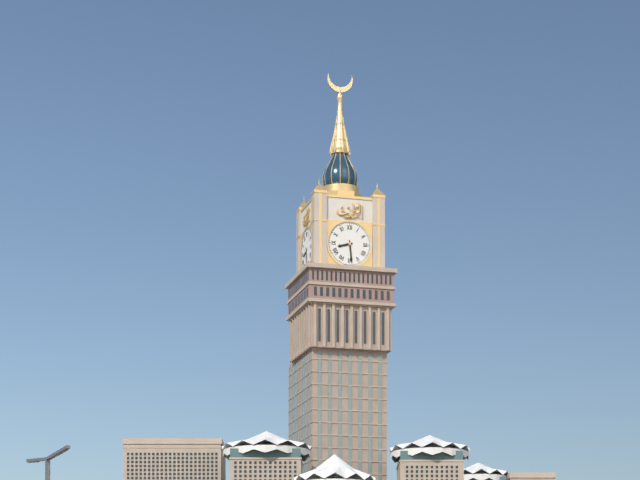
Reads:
8,29
